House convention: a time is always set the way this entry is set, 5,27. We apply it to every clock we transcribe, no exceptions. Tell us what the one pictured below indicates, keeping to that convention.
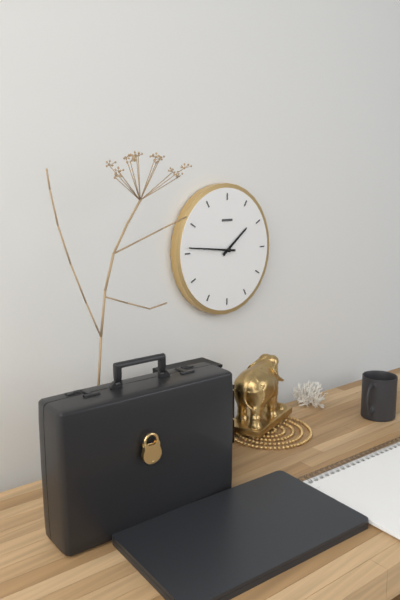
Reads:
1,46
